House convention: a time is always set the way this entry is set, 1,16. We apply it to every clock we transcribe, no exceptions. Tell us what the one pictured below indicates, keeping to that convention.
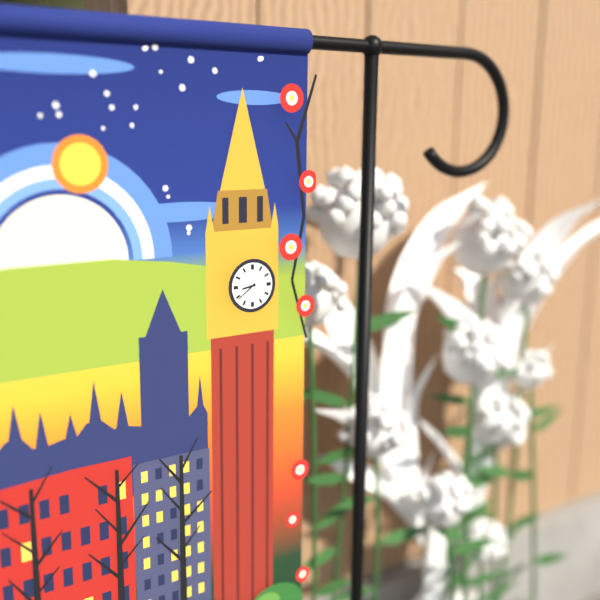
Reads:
8,39
